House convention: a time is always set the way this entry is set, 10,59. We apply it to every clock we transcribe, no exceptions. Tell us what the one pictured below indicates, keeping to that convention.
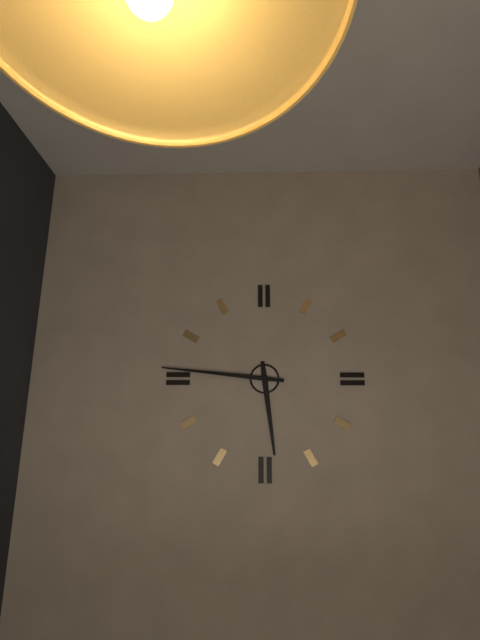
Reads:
5,46
